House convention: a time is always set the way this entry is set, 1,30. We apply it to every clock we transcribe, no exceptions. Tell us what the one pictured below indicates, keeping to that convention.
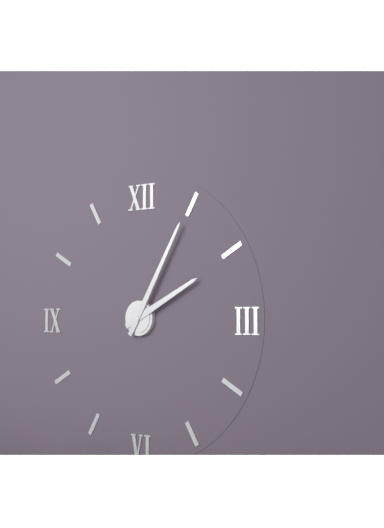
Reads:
2,05
